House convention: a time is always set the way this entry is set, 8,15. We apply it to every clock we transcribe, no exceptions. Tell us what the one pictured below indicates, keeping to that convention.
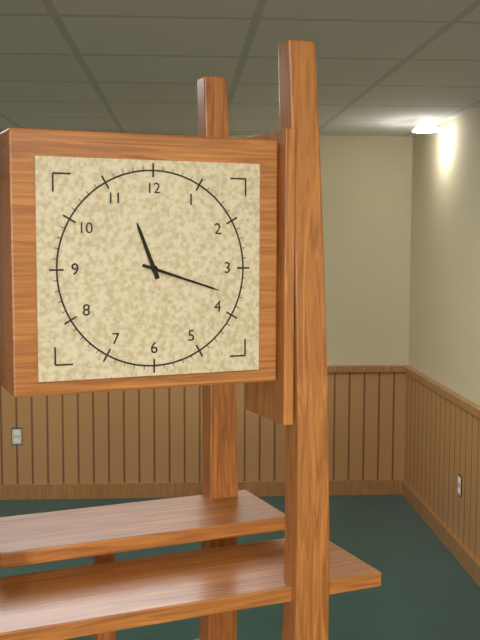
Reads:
11,18
